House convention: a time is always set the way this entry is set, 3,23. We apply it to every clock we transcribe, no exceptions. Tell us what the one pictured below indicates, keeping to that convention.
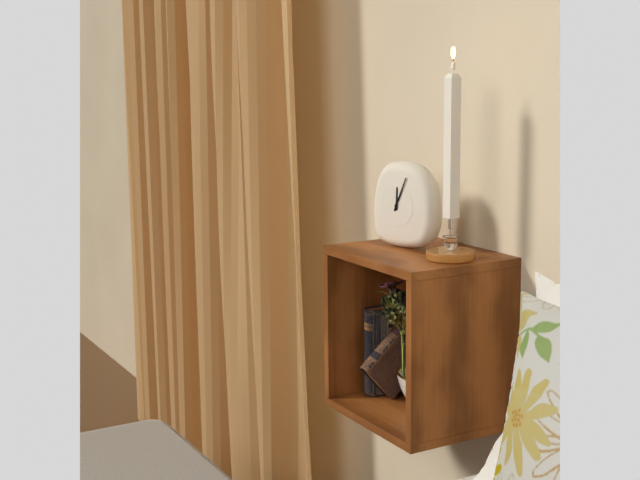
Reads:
12,04
